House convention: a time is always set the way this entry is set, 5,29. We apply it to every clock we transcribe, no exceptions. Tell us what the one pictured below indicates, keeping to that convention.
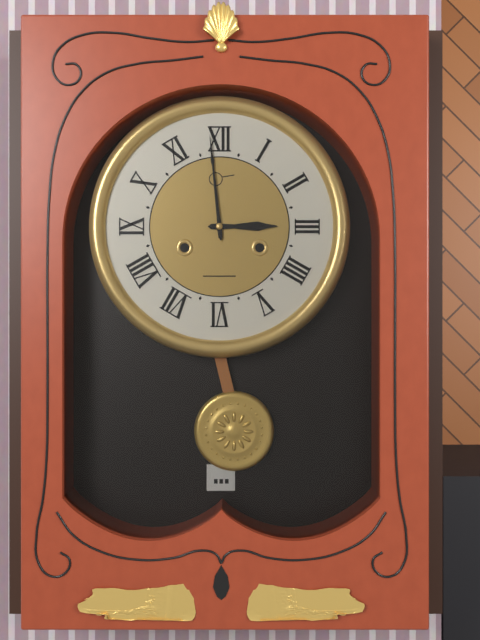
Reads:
2,59
